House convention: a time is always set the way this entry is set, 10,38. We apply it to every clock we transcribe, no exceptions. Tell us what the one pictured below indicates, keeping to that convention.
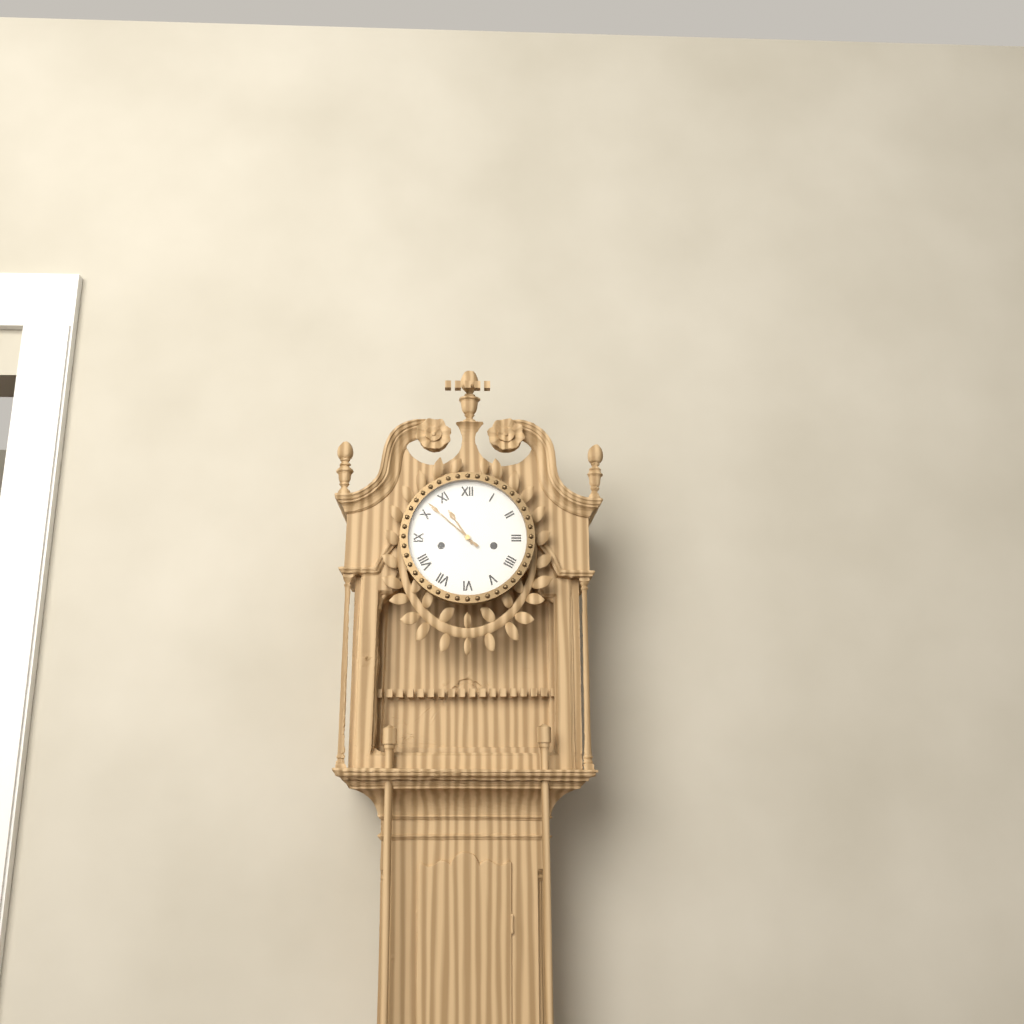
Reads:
10,52
